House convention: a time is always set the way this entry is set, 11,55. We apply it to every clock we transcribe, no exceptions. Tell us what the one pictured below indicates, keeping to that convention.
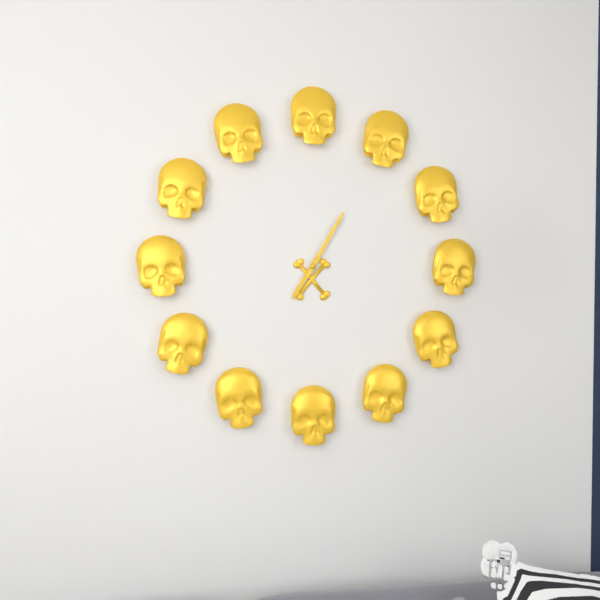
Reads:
7,05
